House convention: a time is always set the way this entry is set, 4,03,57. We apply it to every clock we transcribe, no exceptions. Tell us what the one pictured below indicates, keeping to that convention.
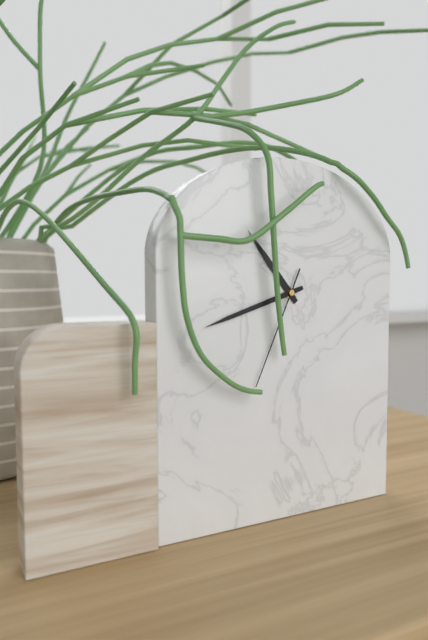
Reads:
10,42,34
